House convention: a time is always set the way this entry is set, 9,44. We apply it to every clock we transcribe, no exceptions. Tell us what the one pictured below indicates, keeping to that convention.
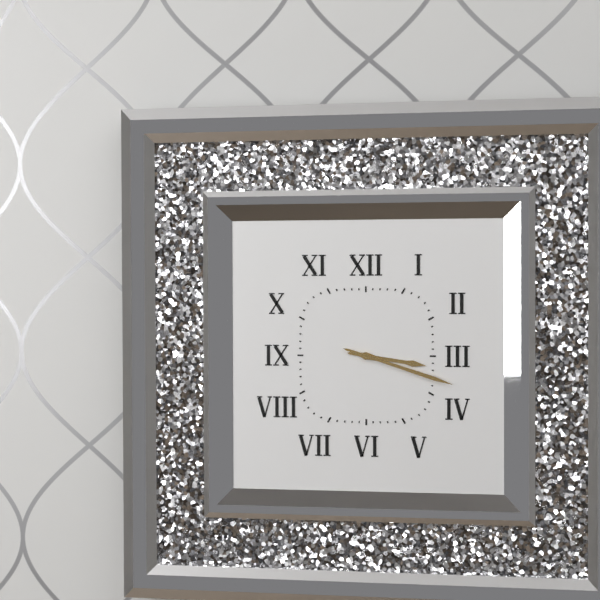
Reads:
3,18
